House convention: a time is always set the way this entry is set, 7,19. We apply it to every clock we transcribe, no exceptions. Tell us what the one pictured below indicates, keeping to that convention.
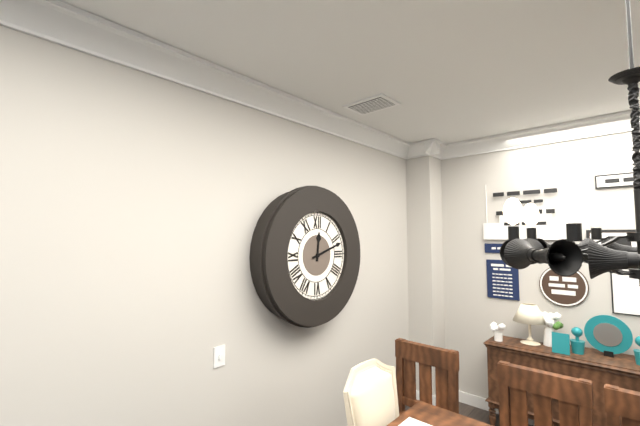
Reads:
12,12
